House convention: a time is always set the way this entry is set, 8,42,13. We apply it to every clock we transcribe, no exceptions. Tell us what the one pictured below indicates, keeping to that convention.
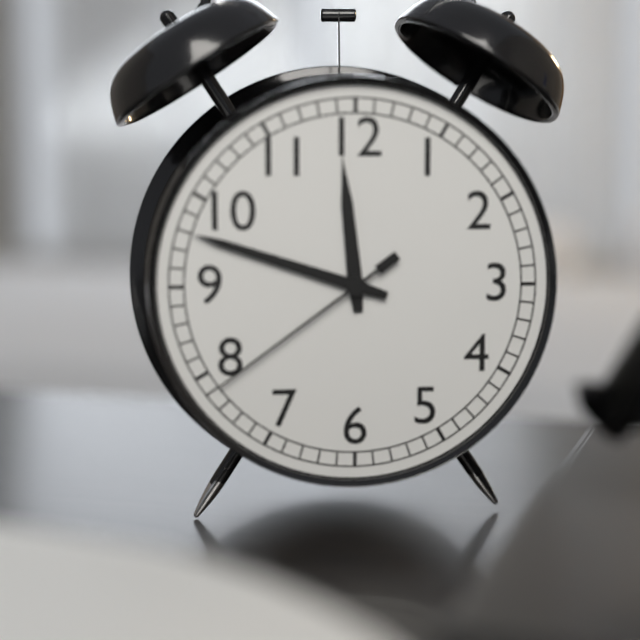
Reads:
11,48,39
